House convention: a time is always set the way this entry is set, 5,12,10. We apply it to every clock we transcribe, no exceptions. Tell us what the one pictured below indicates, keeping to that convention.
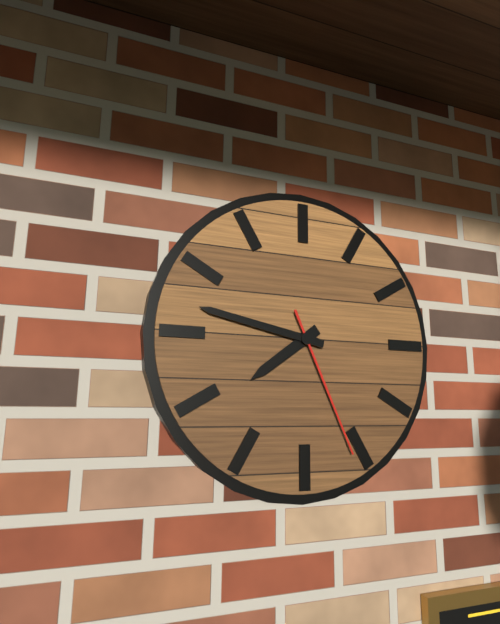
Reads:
7,47,26
